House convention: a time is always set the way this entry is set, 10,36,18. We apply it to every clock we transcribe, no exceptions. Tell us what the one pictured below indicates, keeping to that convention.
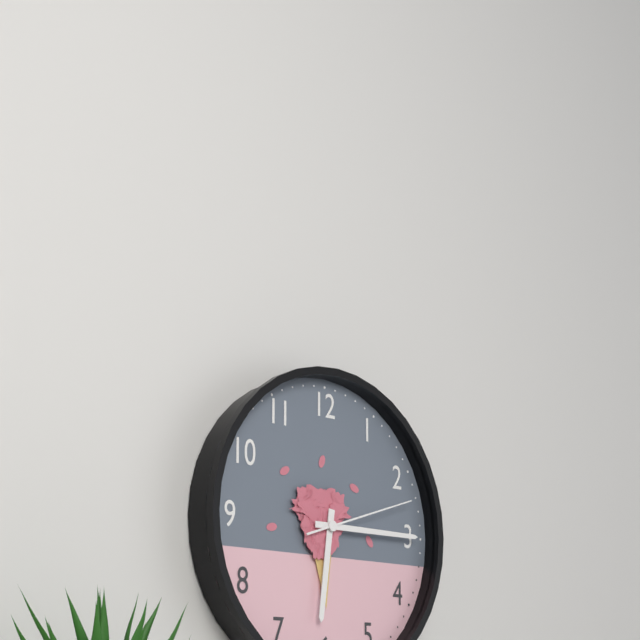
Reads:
6,15,12
